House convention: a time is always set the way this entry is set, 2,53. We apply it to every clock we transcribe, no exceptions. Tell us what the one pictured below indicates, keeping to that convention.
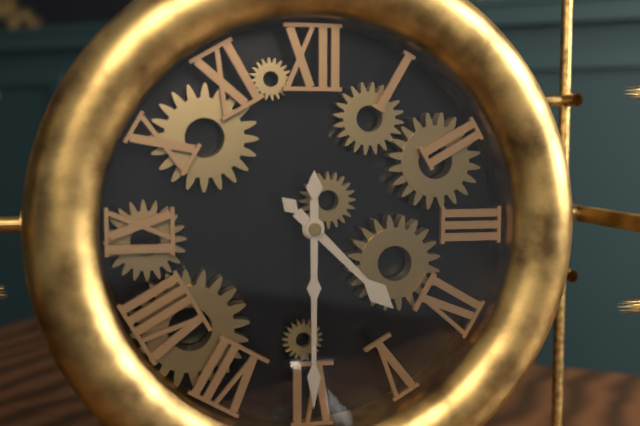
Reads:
4,30
